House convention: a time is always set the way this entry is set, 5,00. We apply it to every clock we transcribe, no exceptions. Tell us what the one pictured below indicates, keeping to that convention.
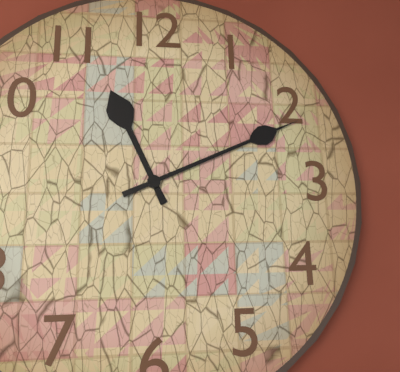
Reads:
11,11
